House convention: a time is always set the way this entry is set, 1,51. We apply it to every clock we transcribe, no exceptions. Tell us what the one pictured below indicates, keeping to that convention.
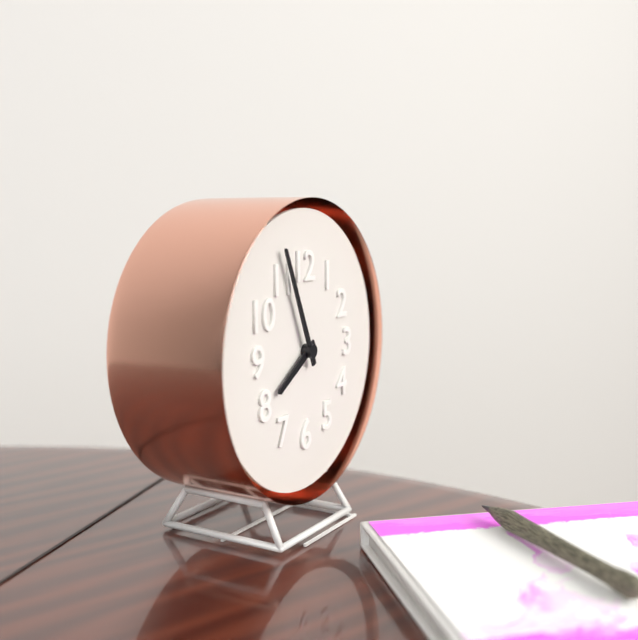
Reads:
7,56
